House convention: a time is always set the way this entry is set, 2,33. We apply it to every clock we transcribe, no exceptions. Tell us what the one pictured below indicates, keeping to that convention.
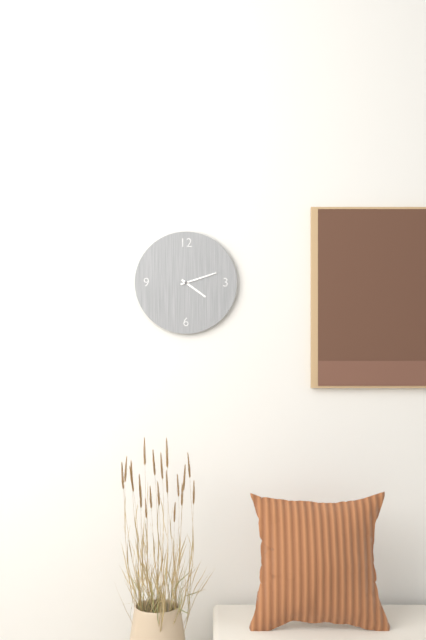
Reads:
4,12
